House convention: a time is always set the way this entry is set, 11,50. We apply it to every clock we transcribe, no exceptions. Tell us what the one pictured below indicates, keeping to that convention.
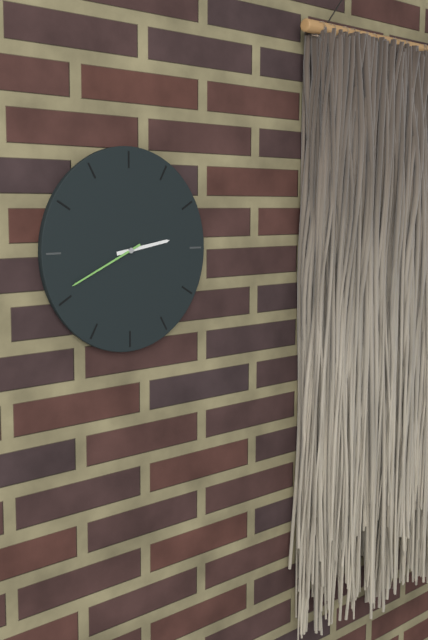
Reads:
2,41
